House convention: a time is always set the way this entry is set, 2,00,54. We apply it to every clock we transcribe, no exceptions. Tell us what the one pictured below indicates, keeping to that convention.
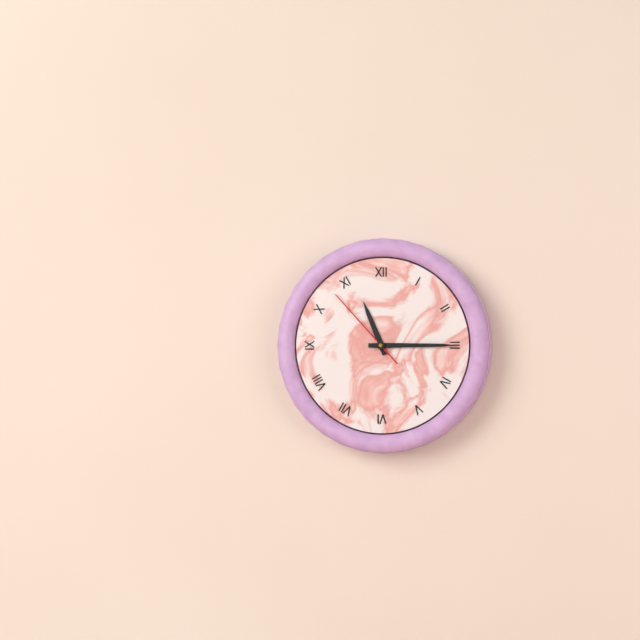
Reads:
11,15,53
